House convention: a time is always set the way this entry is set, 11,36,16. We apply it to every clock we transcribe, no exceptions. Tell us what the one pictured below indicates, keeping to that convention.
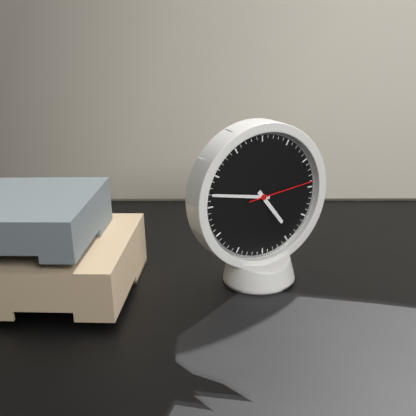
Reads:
4,47,14
